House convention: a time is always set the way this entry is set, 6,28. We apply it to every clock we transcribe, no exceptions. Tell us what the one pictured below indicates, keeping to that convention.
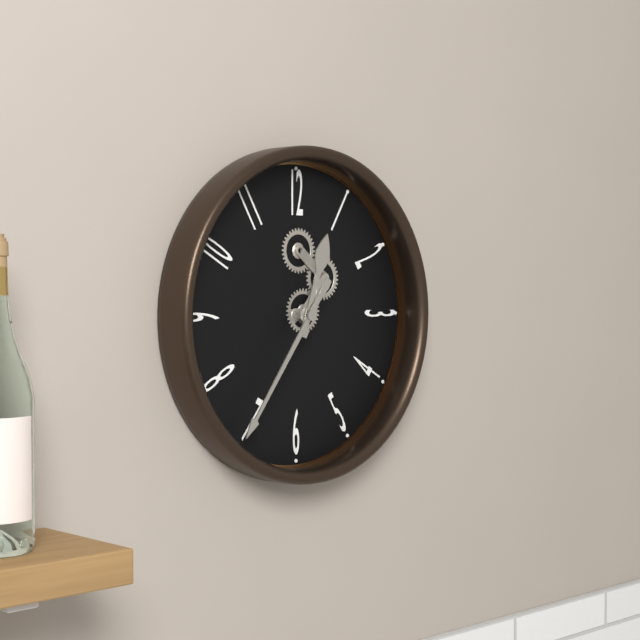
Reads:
12,36
